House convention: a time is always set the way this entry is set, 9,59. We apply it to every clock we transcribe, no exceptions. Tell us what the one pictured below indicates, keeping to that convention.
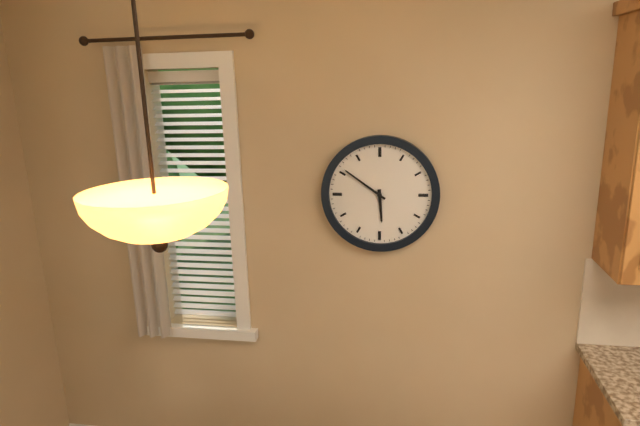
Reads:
5,51
